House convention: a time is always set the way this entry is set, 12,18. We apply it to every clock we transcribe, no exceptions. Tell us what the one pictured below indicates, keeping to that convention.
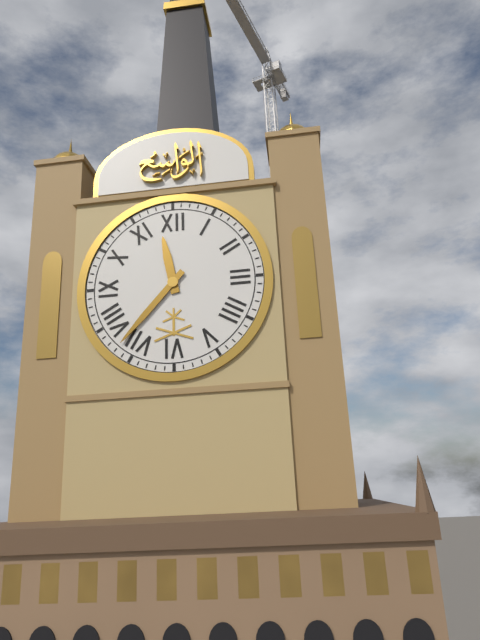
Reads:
11,37
